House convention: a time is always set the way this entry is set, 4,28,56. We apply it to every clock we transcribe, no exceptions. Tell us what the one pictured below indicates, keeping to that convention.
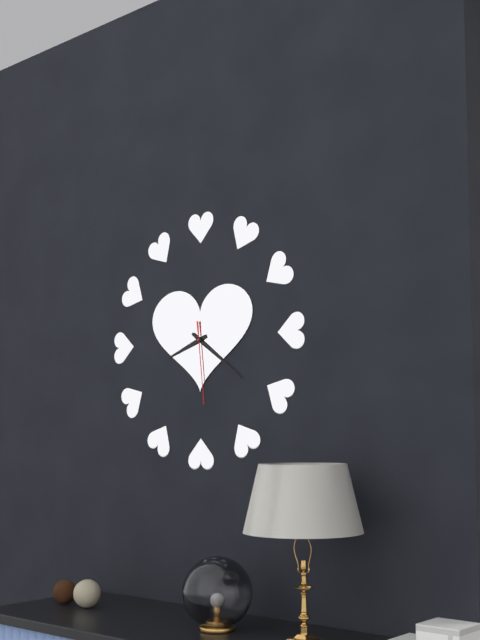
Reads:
8,21,29
